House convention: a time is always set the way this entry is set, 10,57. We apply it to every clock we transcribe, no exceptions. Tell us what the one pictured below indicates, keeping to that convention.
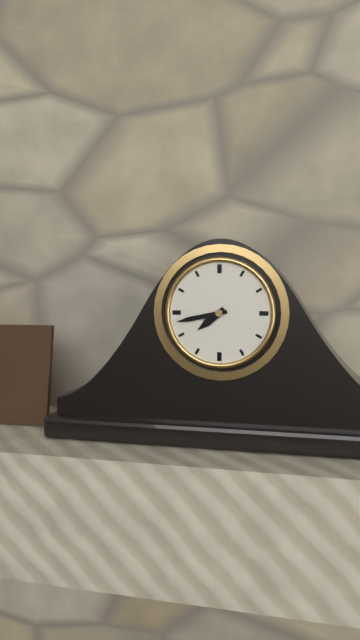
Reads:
7,43
